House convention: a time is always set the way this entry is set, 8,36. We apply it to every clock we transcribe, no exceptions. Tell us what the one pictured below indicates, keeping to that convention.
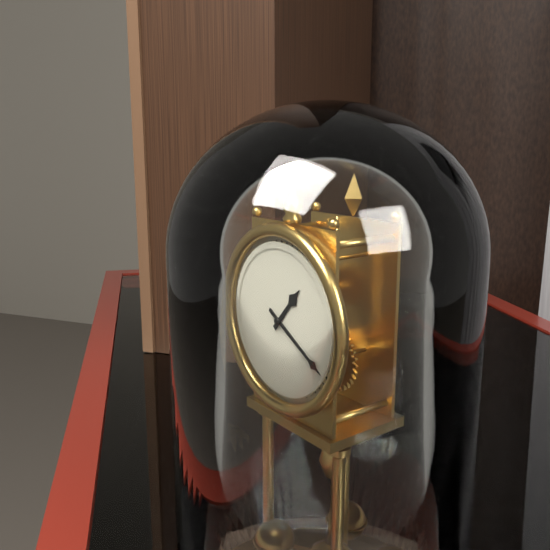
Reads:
1,20
